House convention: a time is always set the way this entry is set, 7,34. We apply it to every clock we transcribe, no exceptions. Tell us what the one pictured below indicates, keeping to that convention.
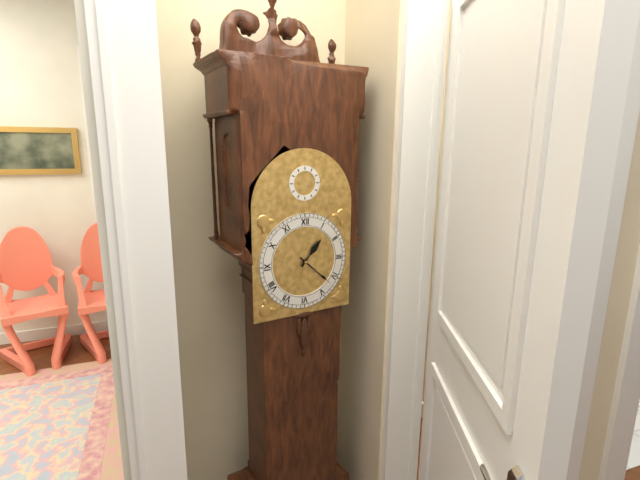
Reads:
1,22
